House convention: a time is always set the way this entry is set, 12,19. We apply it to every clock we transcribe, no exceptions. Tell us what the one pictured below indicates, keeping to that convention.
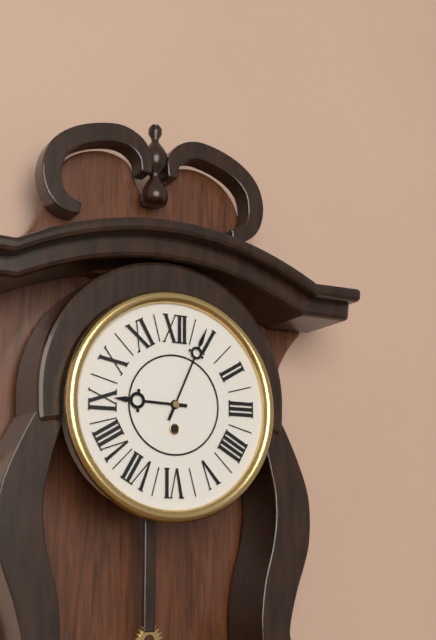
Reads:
9,04
